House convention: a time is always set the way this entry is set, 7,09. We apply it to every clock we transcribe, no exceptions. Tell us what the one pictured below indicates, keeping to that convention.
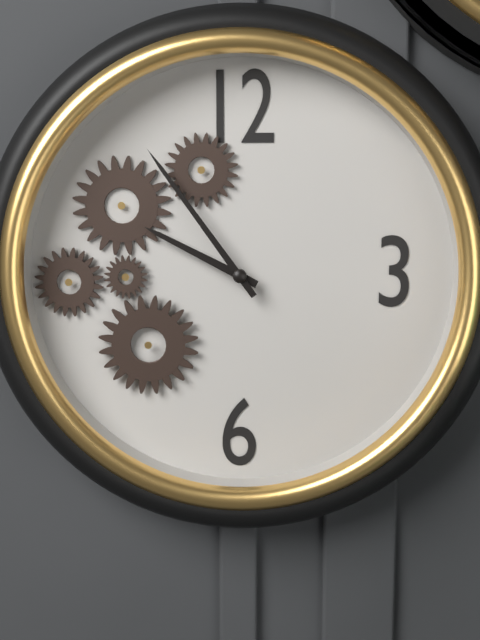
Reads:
9,54
